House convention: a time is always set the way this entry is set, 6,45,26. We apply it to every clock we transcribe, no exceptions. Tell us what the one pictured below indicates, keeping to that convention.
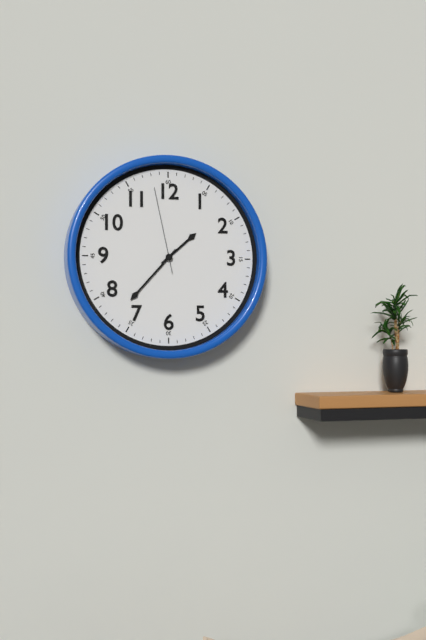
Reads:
1,37,58
